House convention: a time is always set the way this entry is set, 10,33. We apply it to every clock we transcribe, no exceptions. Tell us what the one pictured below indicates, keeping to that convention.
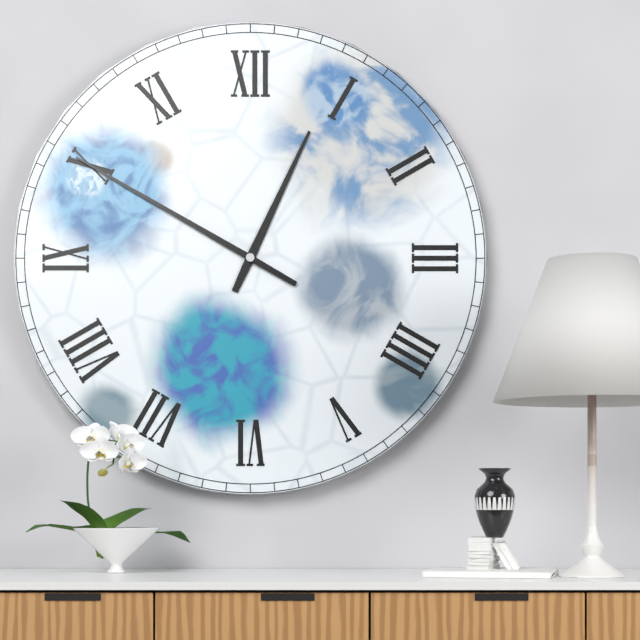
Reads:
12,50
